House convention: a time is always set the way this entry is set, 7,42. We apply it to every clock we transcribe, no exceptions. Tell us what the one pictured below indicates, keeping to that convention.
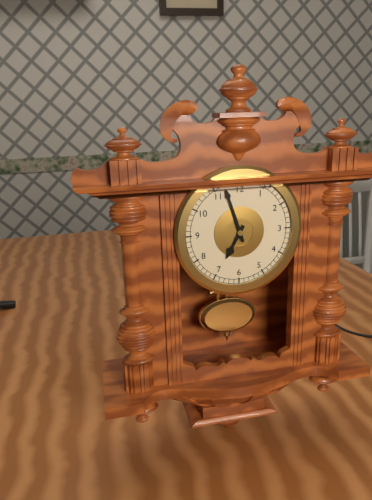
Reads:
6,57
